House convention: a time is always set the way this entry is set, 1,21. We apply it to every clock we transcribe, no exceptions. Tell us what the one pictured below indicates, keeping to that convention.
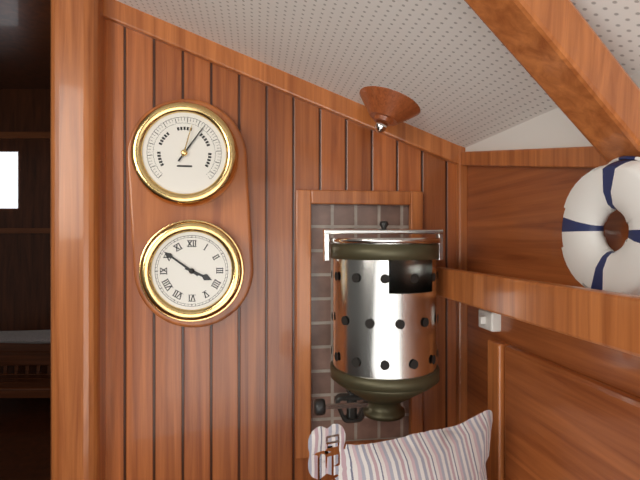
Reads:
3,51
